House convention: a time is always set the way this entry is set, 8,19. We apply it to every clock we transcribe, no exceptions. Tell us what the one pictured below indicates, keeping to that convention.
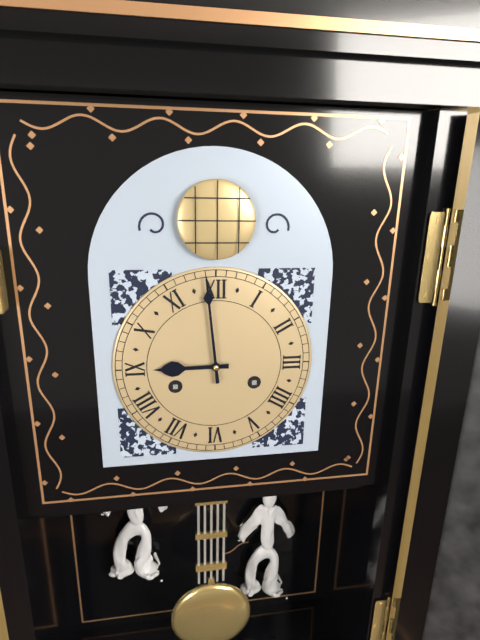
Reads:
8,59
